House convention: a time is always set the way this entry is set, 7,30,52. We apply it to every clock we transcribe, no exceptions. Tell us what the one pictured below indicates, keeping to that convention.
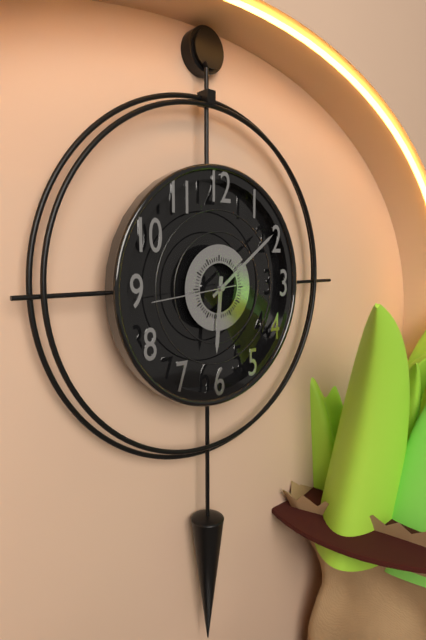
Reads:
6,09,44
